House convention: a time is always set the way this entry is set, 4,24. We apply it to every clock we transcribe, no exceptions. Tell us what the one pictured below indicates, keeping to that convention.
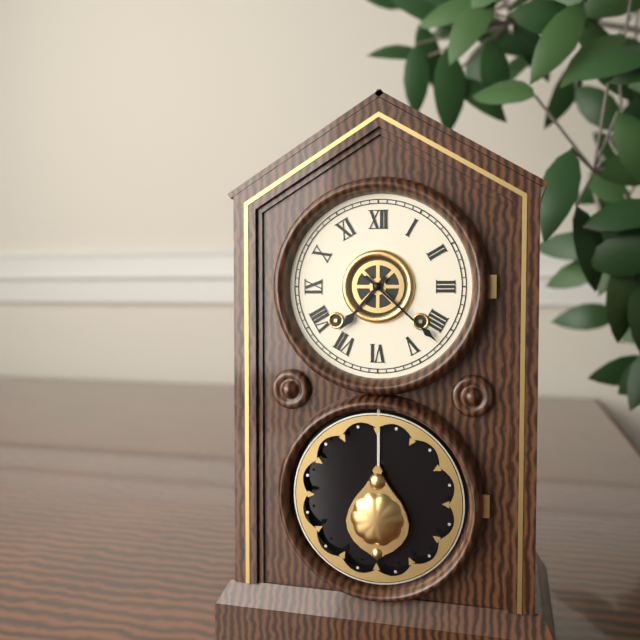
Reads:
7,22
